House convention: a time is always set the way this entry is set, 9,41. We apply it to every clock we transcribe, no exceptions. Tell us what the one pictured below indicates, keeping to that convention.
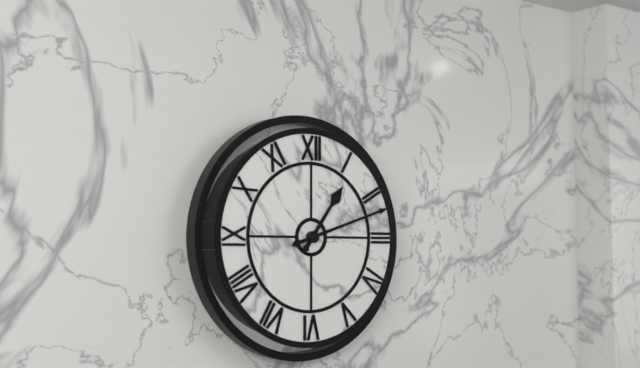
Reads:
1,12
